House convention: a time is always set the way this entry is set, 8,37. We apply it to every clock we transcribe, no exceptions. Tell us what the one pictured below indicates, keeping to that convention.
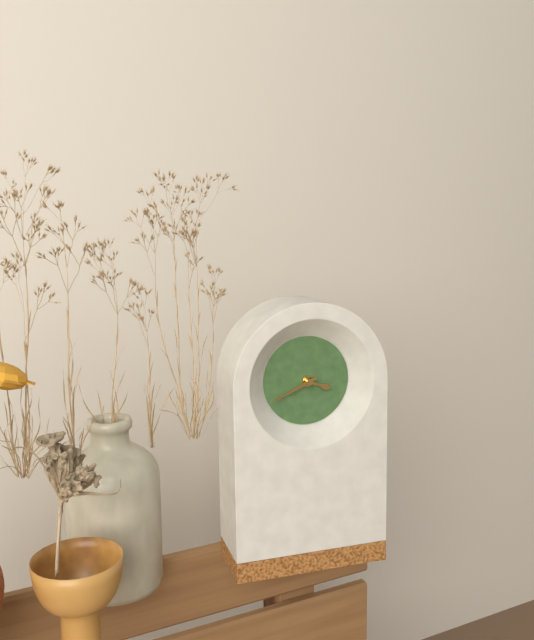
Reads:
3,41
